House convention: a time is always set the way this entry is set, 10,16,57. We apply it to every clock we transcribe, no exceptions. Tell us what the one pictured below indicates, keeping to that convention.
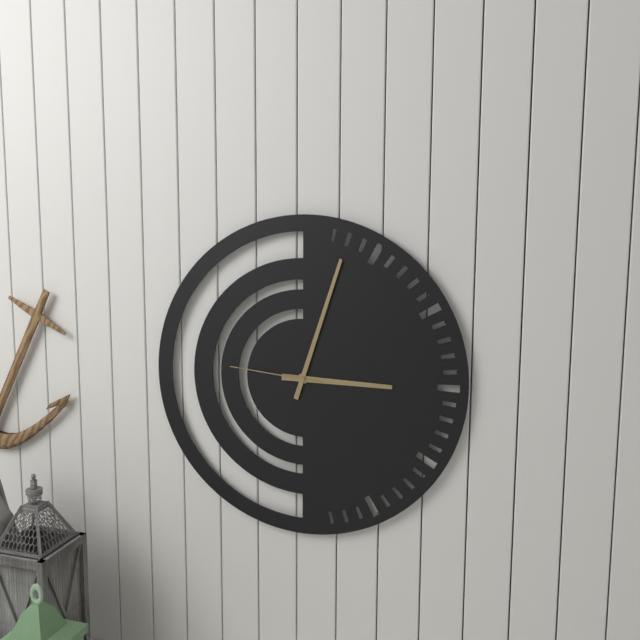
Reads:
3,03,46
